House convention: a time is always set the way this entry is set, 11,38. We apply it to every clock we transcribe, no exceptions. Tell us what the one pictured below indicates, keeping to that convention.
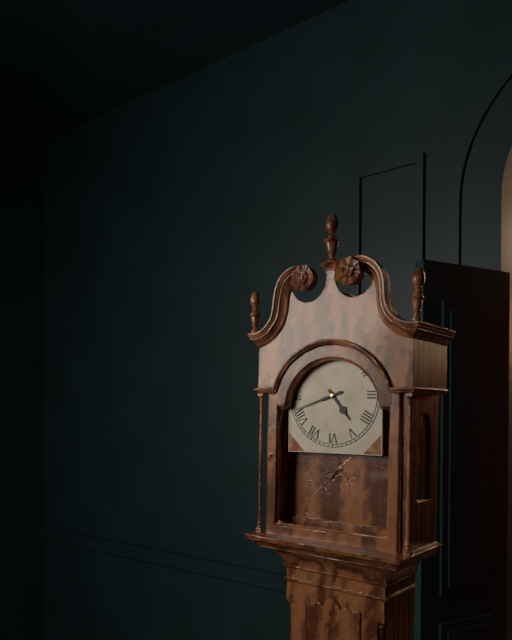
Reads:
4,42
